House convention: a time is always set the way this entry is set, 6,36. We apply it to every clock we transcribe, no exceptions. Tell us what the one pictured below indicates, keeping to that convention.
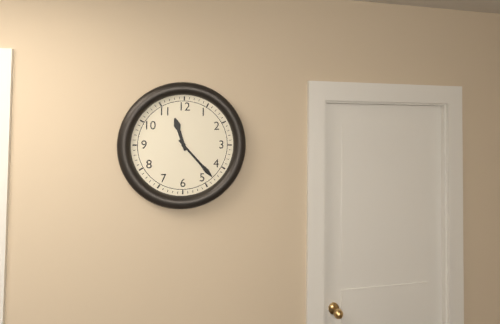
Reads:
11,23
